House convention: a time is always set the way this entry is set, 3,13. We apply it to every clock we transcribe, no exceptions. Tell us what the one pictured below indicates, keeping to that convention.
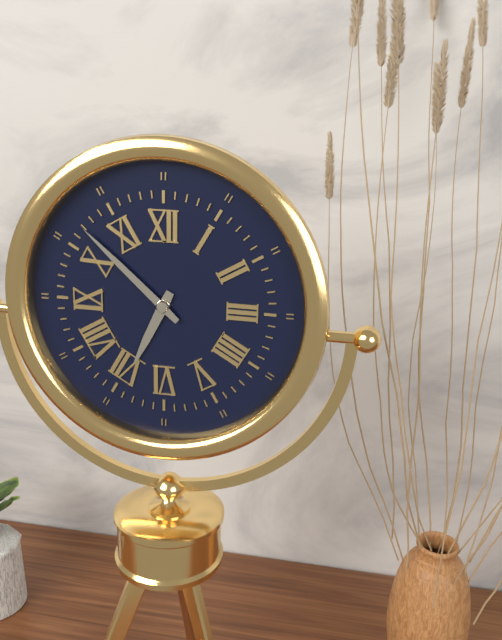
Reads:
6,52
